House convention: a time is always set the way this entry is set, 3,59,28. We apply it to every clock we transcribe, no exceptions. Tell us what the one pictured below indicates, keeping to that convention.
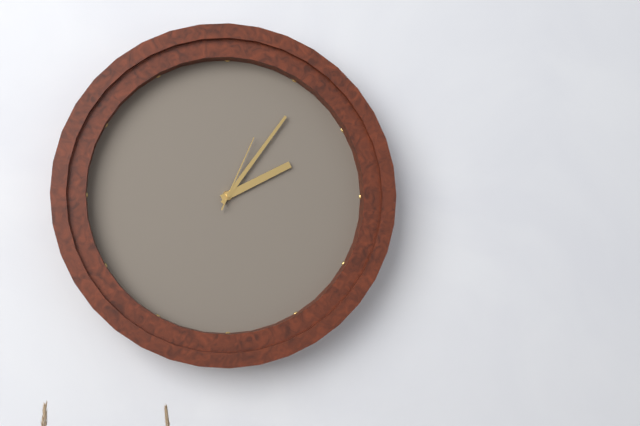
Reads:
2,06,04
